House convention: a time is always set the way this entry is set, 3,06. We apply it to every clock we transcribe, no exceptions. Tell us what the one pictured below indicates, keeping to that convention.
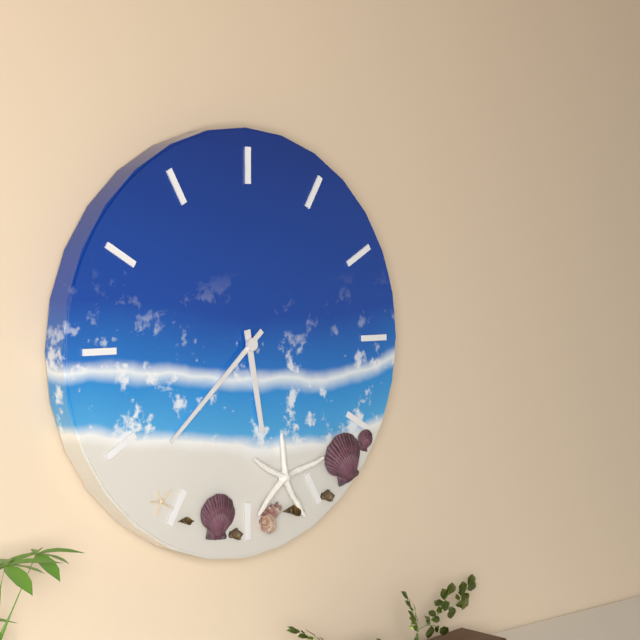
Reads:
5,38
